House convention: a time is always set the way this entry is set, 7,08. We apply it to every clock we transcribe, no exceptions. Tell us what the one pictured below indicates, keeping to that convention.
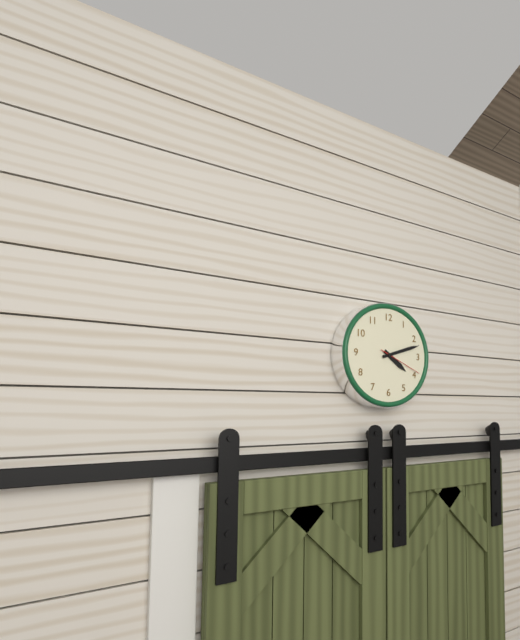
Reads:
4,12
